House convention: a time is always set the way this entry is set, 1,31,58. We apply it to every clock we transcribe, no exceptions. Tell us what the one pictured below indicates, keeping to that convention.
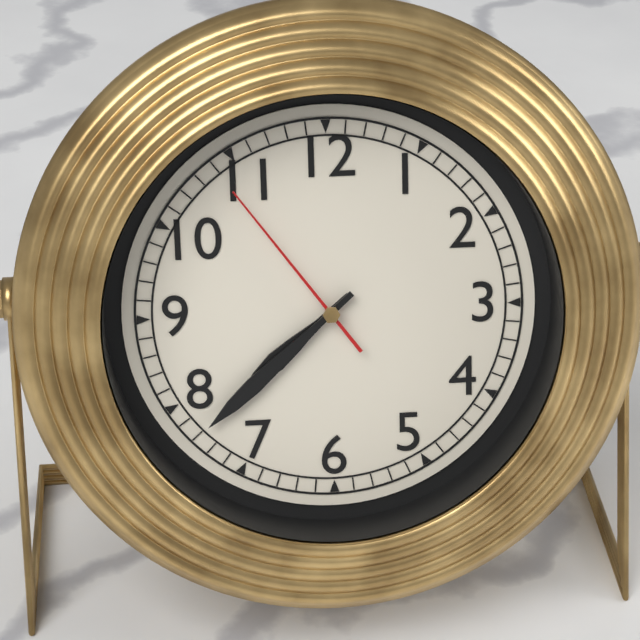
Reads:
7,38,54
